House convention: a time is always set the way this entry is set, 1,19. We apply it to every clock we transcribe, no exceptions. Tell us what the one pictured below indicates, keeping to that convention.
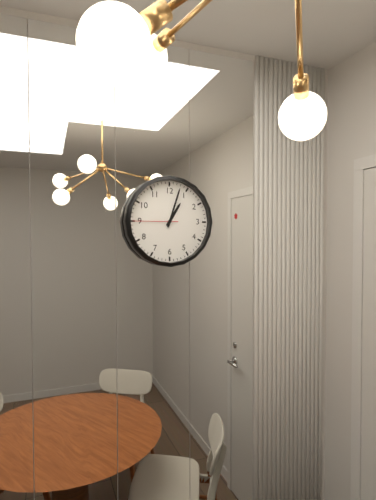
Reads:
1,03
